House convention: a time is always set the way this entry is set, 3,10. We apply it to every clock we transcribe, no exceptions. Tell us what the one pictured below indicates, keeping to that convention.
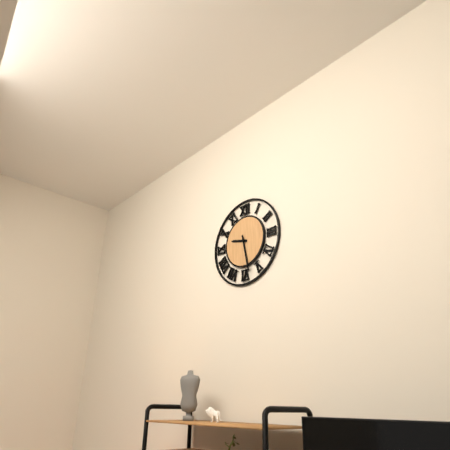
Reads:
9,28
